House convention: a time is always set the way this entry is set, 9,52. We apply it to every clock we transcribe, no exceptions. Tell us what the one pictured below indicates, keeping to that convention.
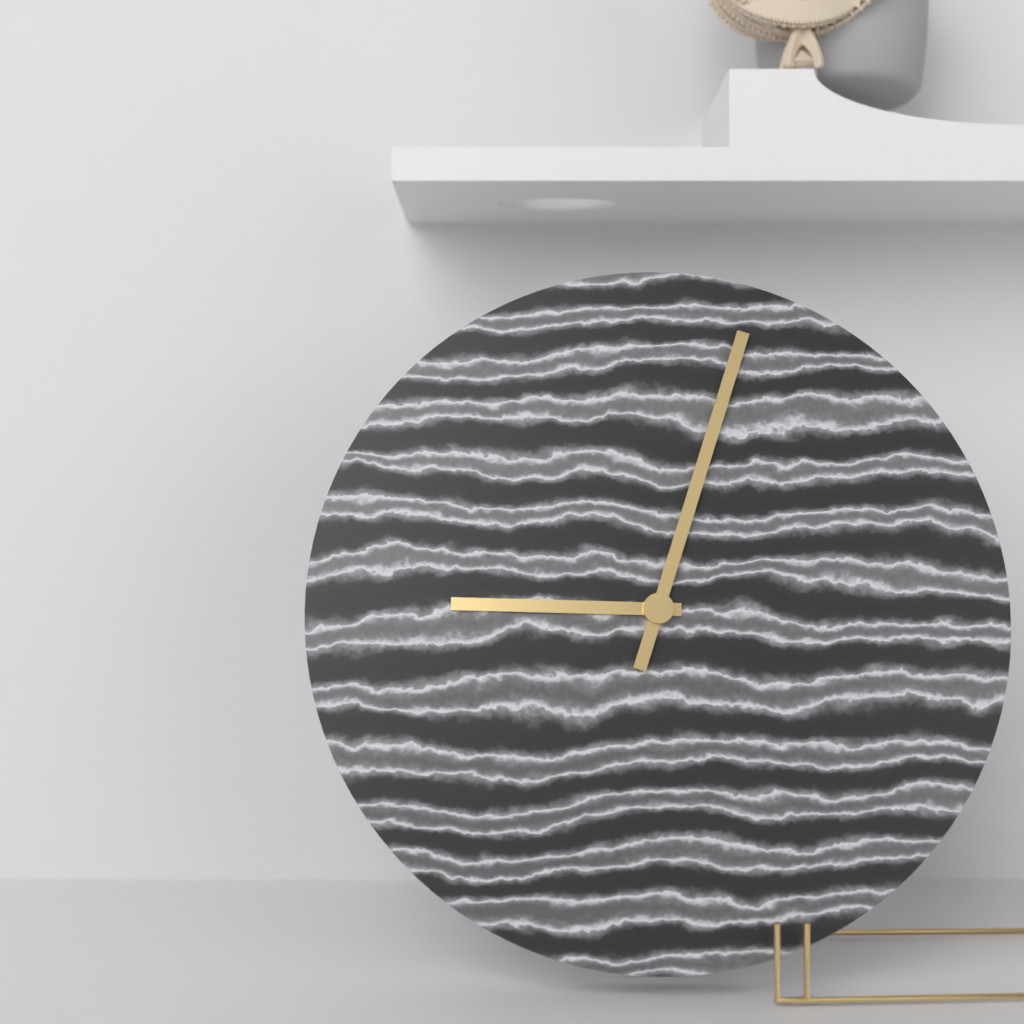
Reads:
9,03
